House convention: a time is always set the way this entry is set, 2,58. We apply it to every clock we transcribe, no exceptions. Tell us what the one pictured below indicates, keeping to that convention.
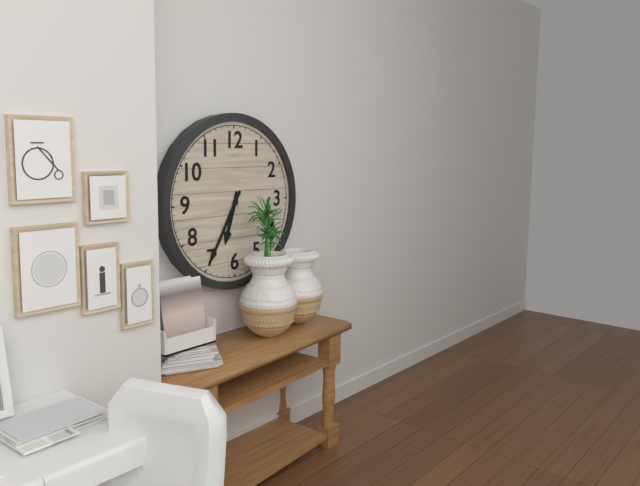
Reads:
6,35
